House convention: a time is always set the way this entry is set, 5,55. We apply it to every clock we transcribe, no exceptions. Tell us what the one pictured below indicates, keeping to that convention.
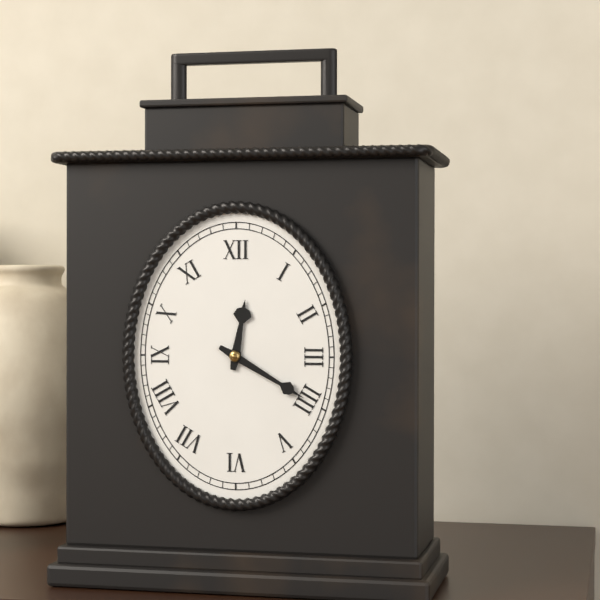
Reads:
12,20
